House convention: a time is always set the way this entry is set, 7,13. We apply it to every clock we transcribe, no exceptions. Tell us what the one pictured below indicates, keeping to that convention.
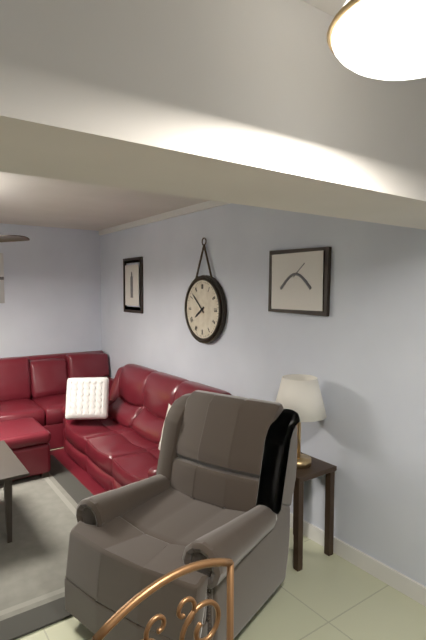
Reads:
7,52
